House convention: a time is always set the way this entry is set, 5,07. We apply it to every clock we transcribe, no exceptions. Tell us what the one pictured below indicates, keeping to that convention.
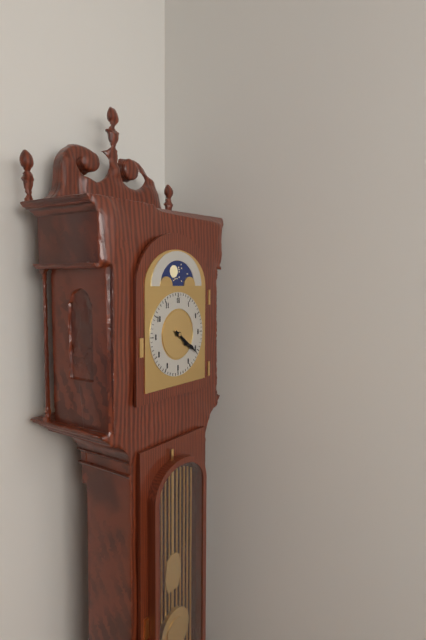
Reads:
4,21
